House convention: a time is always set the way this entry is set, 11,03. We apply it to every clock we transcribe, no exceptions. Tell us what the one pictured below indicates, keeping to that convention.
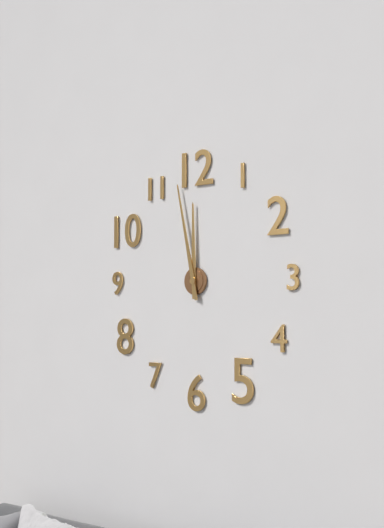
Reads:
11,58
